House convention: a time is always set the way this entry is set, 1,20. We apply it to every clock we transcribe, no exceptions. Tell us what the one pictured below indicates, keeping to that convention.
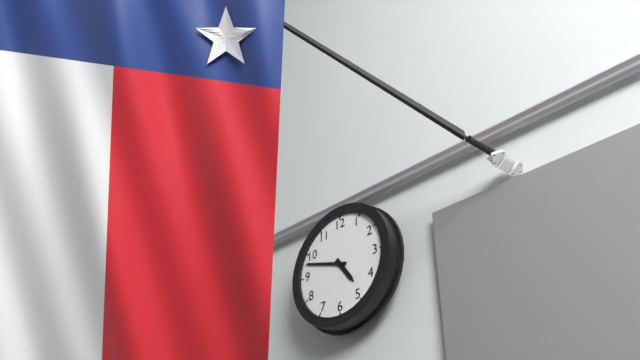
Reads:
4,48
